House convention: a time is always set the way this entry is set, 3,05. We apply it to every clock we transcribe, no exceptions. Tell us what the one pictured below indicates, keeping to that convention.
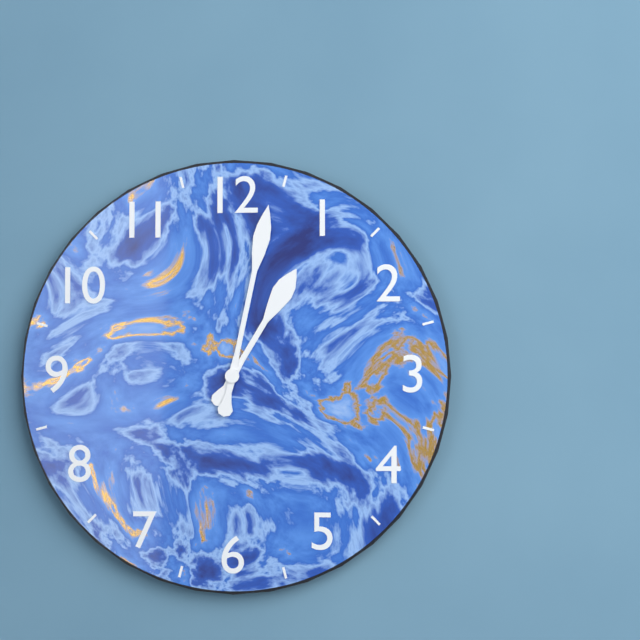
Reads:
1,02
